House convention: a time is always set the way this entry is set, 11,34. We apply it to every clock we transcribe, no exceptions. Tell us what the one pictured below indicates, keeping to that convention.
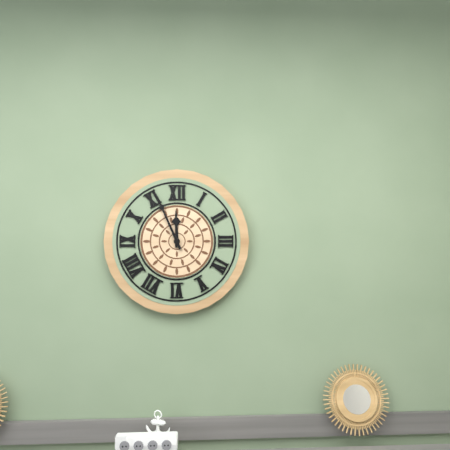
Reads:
11,56
